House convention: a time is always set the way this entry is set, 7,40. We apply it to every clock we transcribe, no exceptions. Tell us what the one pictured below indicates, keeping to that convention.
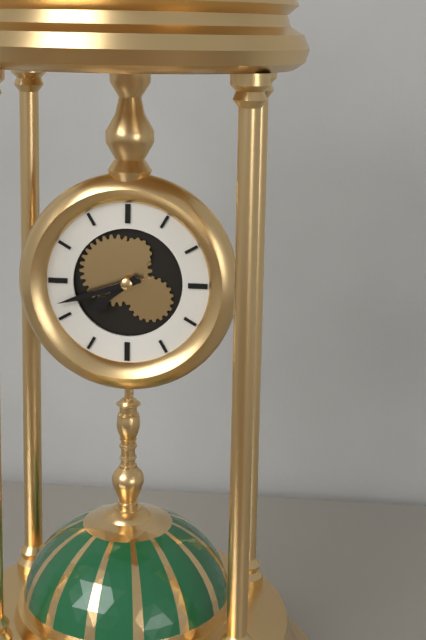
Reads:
7,42
